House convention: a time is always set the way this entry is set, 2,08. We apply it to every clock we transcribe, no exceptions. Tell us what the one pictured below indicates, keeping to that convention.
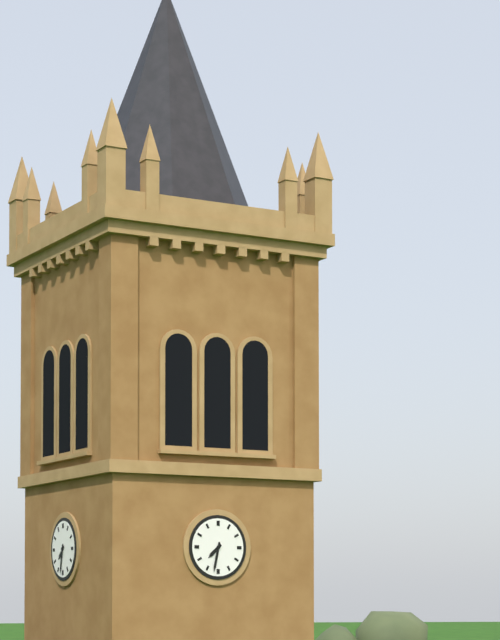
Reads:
7,32
